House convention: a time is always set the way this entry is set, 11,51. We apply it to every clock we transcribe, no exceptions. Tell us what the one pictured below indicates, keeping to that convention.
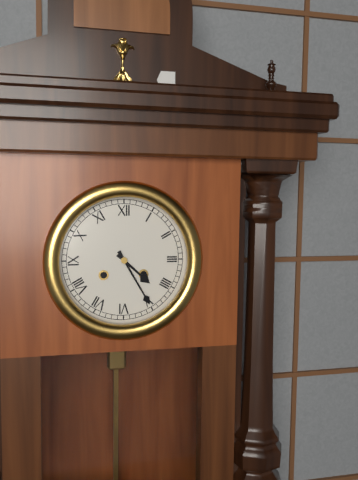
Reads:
4,25
